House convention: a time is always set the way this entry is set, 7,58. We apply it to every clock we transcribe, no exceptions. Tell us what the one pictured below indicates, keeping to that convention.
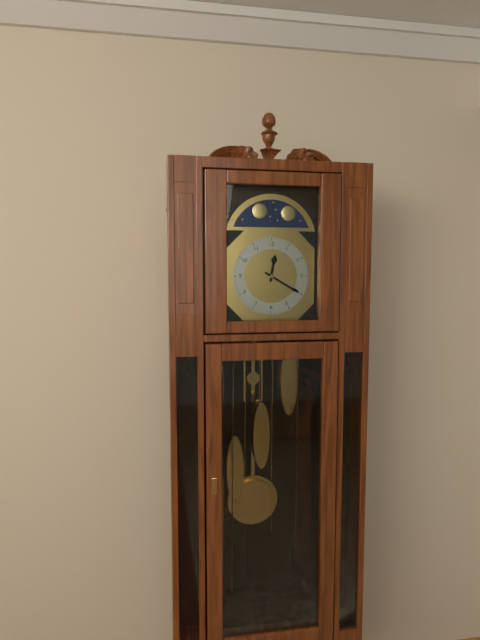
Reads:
12,20
